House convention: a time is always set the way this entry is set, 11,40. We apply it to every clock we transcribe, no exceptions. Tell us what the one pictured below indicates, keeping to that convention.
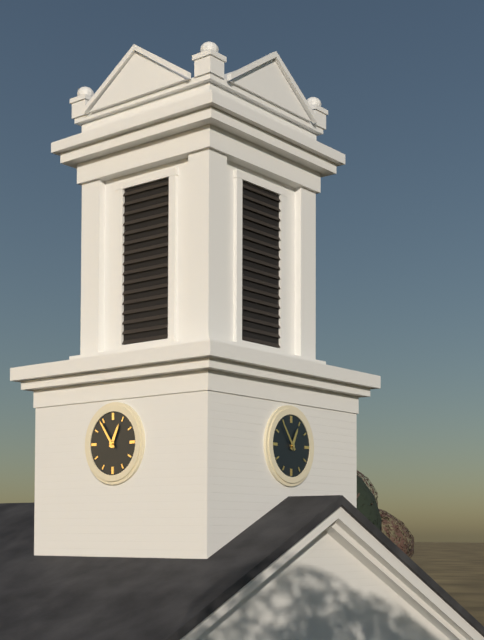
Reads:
12,54
